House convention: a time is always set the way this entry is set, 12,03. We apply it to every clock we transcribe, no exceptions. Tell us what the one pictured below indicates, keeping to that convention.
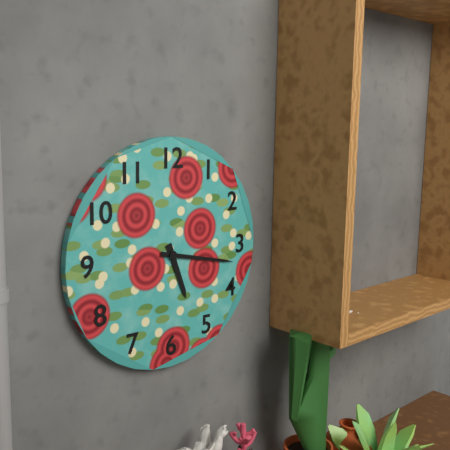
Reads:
5,17
